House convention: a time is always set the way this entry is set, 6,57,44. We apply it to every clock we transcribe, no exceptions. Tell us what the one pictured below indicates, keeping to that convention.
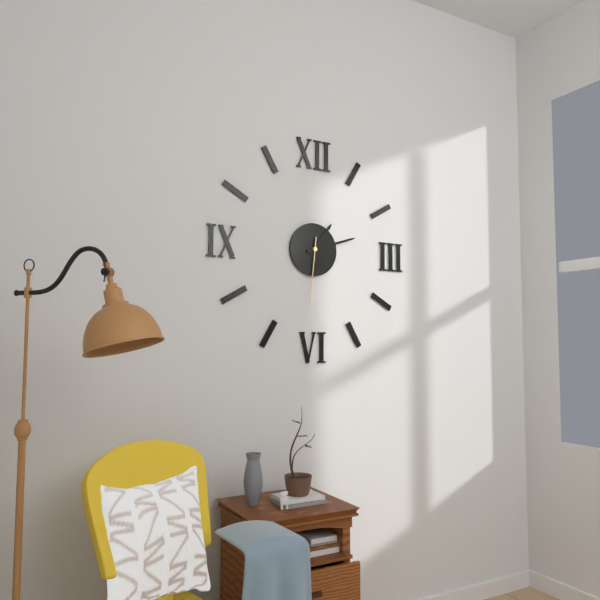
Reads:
1,12,31
